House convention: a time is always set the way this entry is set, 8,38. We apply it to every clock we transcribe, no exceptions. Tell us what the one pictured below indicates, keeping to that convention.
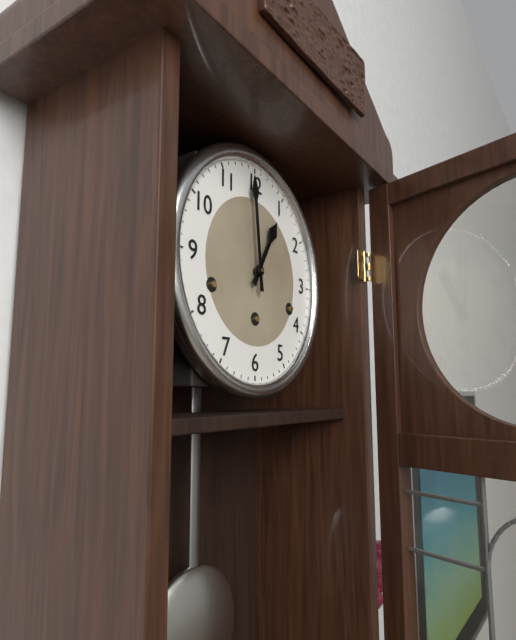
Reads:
12,59
